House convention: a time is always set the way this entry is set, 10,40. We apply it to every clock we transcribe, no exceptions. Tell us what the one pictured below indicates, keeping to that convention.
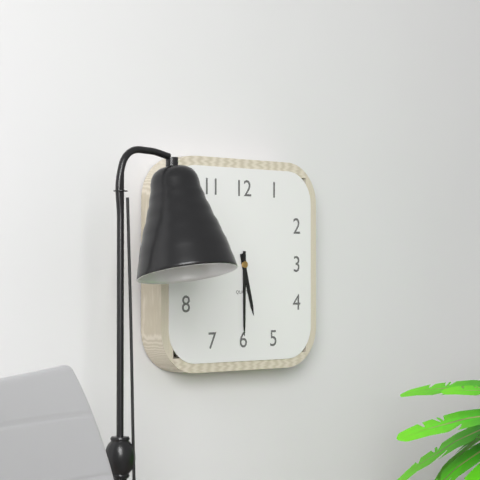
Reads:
5,30
